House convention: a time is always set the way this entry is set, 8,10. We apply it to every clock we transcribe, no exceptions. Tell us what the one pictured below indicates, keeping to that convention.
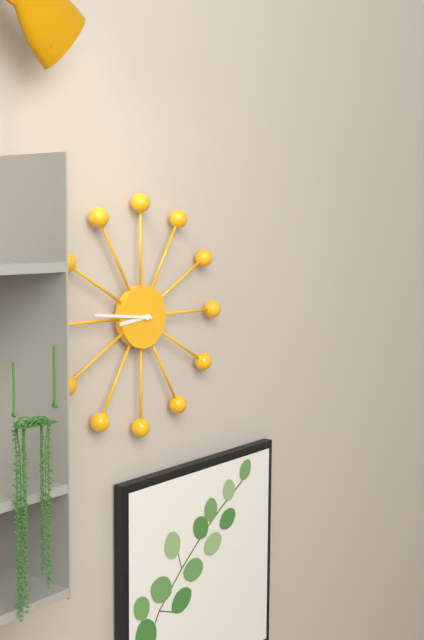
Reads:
8,46
